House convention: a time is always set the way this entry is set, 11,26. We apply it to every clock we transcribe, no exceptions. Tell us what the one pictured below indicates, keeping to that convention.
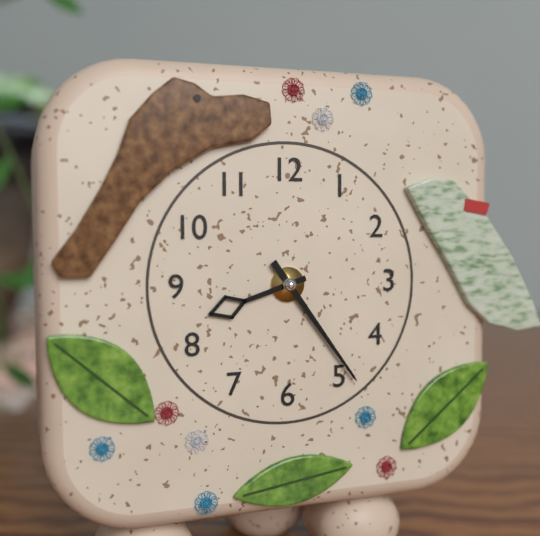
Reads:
8,24
